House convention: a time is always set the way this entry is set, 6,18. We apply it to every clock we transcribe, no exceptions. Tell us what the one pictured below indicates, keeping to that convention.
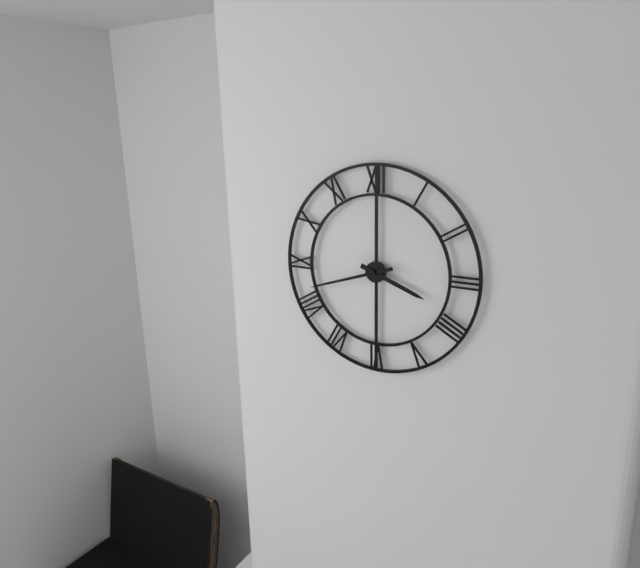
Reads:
3,42
